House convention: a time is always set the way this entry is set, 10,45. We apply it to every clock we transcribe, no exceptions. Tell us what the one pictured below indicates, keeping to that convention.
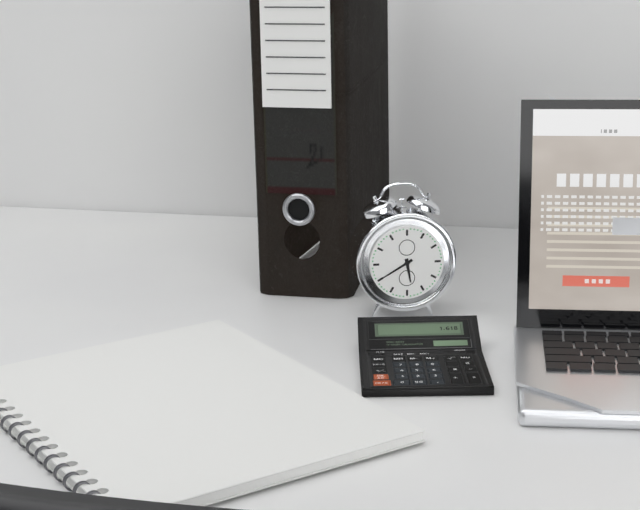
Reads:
5,40
